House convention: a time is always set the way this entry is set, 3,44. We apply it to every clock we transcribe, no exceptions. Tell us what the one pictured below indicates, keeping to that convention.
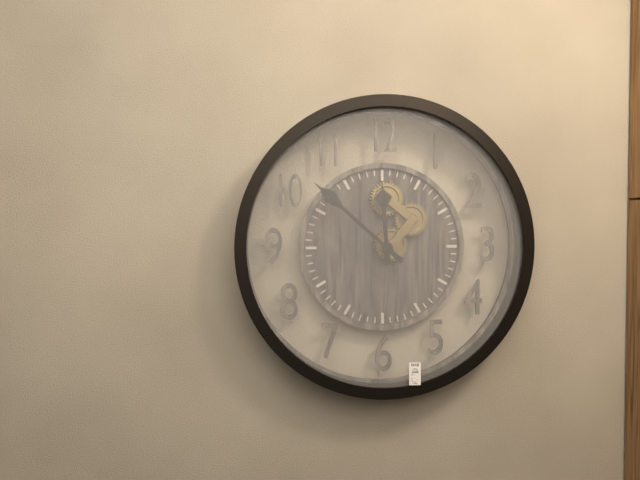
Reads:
11,52
